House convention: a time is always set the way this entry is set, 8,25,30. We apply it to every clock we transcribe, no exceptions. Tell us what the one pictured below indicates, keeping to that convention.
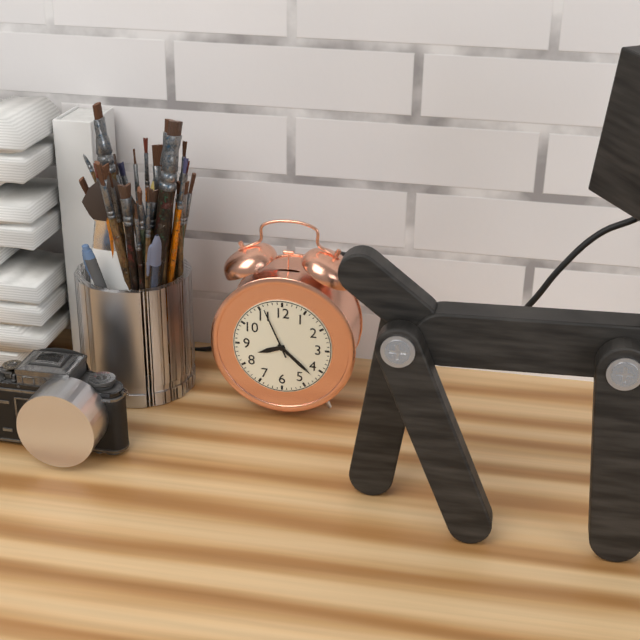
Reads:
8,22,56
